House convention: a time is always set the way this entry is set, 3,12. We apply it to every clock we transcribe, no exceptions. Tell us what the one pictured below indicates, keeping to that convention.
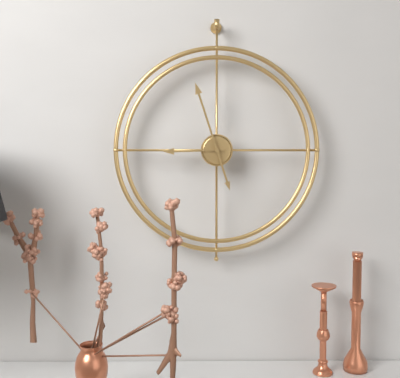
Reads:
8,57
